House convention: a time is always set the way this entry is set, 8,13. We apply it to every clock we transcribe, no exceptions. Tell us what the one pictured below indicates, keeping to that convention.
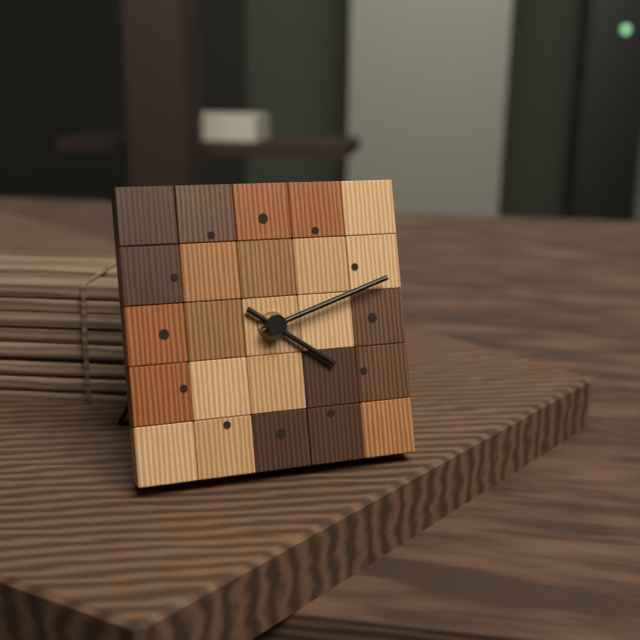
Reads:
4,12
